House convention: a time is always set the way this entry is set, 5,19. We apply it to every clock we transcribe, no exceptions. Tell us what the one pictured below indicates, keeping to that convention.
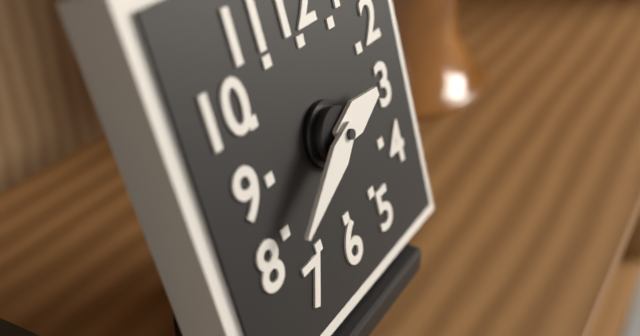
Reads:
2,40
